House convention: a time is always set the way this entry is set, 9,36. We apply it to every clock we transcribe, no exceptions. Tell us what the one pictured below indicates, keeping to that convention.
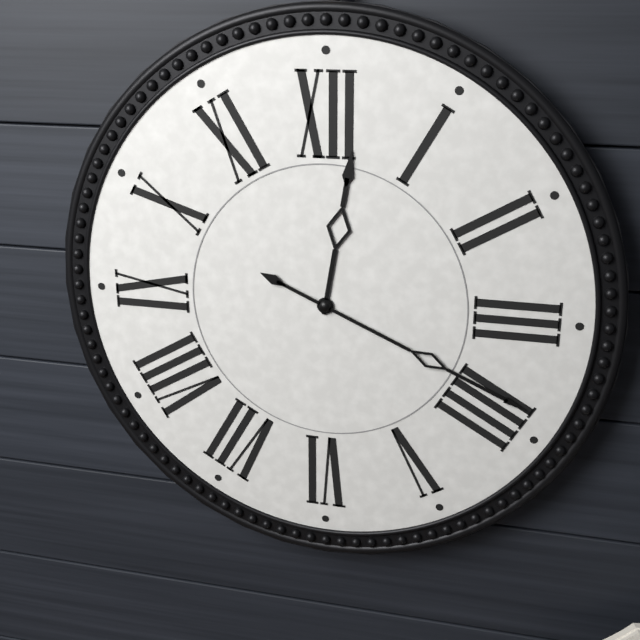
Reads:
12,19
